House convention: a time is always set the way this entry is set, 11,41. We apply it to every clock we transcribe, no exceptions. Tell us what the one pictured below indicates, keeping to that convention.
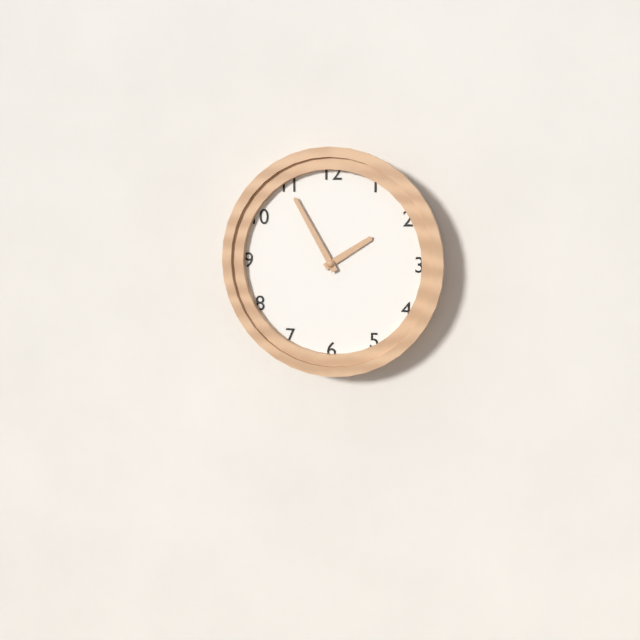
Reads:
1,55
